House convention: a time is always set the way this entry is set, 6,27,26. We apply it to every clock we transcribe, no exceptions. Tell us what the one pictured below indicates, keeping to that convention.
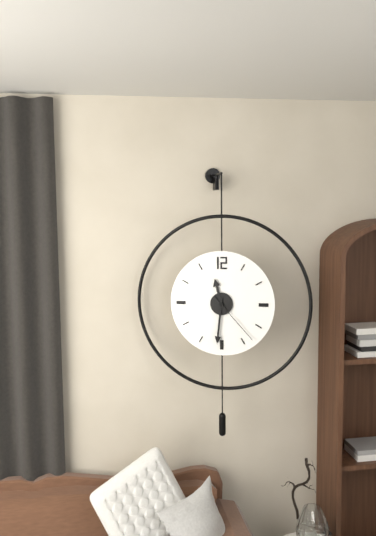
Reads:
11,31,23
